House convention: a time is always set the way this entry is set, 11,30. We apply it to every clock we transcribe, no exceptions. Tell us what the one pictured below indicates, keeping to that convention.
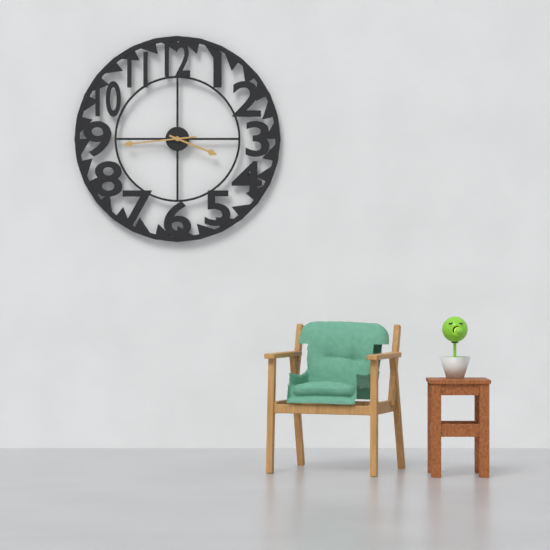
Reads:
3,44
